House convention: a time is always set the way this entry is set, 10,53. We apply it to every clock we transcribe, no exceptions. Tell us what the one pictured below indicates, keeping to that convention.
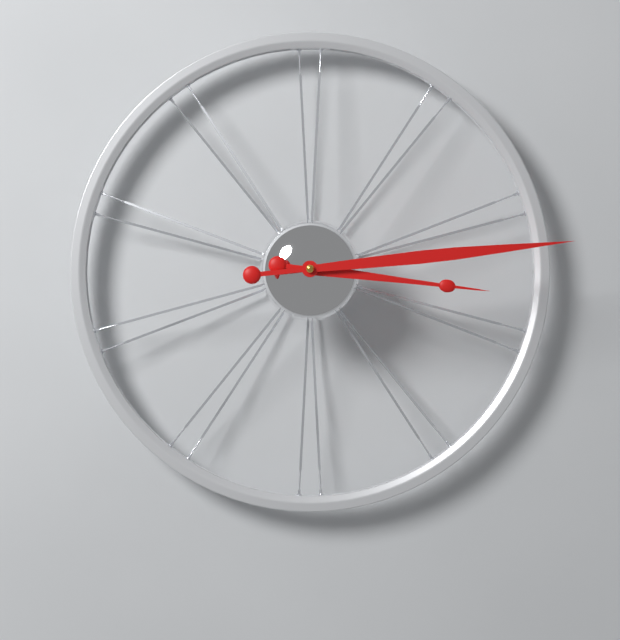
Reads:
3,14
